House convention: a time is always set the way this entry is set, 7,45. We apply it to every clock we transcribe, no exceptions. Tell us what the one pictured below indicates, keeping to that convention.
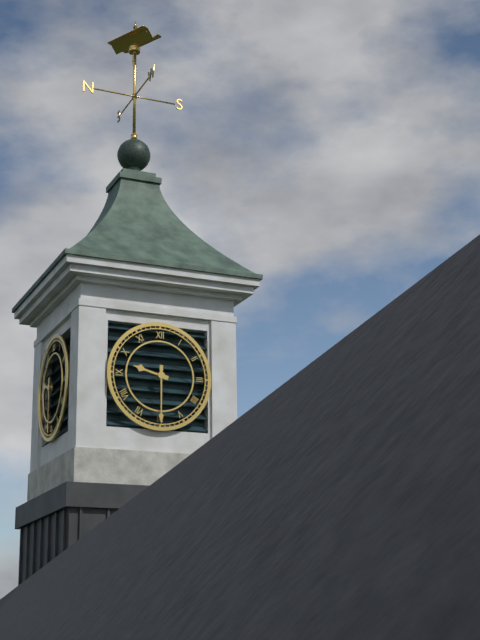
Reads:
9,30
